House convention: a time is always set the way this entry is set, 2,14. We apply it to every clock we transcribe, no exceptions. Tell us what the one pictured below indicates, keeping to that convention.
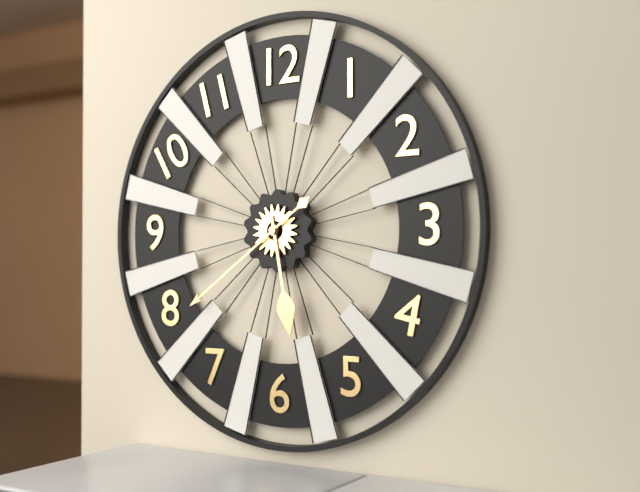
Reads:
5,39
